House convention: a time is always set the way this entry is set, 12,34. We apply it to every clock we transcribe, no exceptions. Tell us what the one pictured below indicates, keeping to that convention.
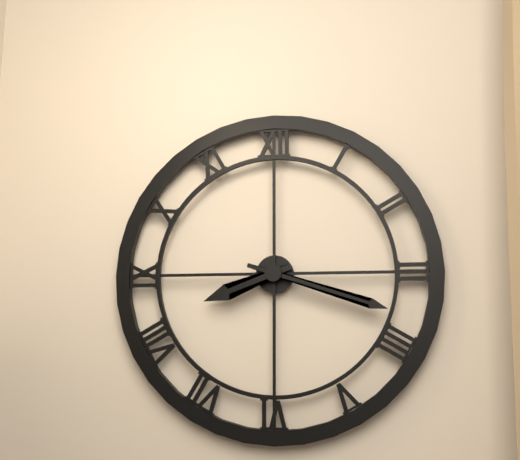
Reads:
8,18
